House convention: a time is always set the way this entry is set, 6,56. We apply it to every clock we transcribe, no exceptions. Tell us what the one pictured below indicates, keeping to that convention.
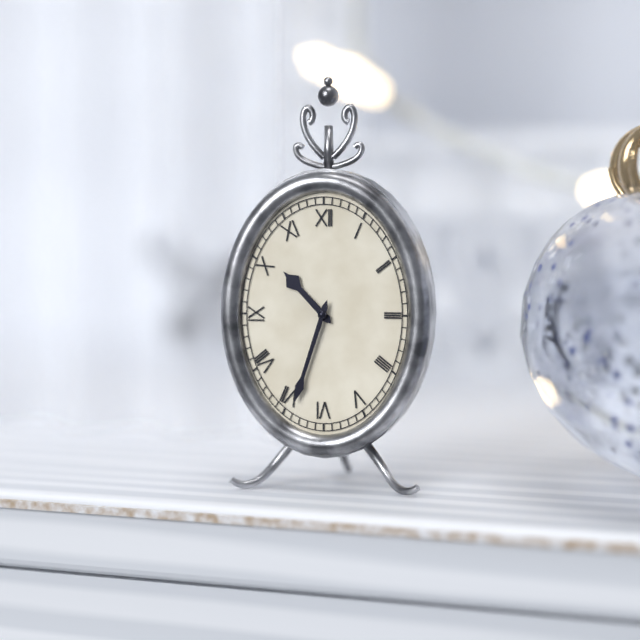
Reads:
10,33
